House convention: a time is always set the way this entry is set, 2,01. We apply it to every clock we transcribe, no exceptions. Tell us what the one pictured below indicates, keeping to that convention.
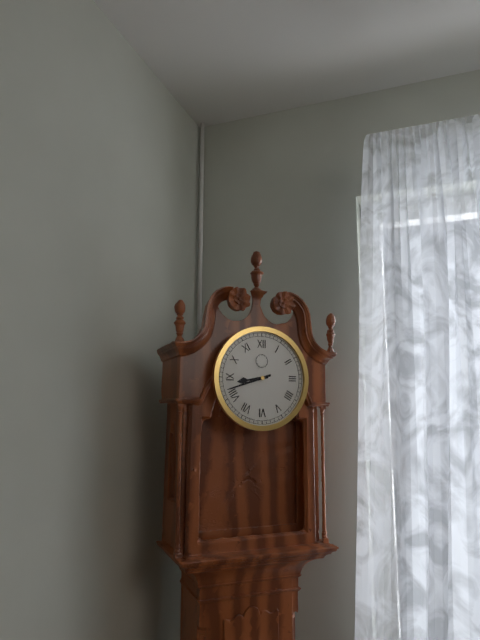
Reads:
8,42
